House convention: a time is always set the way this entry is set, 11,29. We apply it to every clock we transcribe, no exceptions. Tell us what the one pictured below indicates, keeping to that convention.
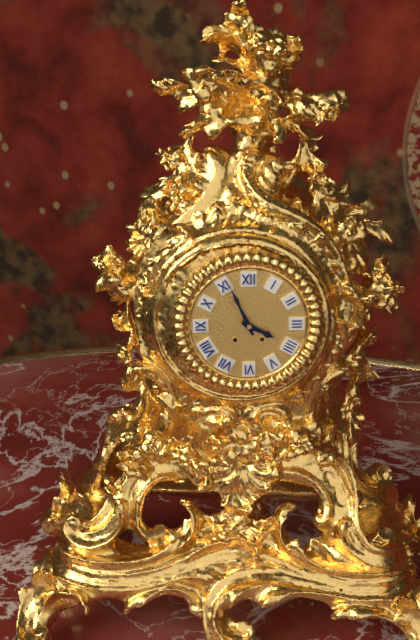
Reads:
3,56
